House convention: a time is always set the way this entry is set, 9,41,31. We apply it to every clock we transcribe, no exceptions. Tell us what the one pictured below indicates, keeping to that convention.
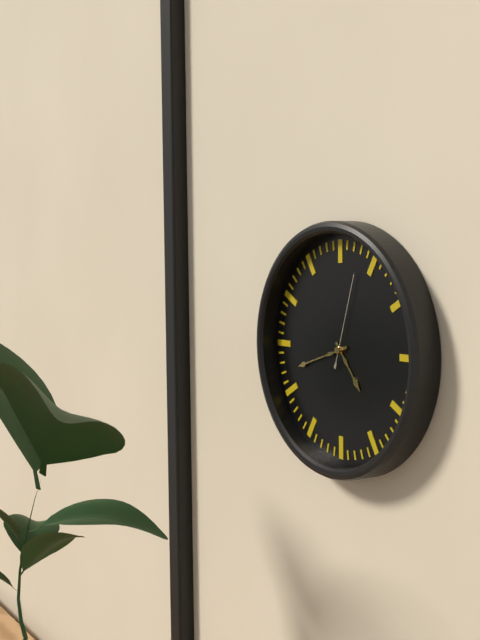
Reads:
4,42,03
